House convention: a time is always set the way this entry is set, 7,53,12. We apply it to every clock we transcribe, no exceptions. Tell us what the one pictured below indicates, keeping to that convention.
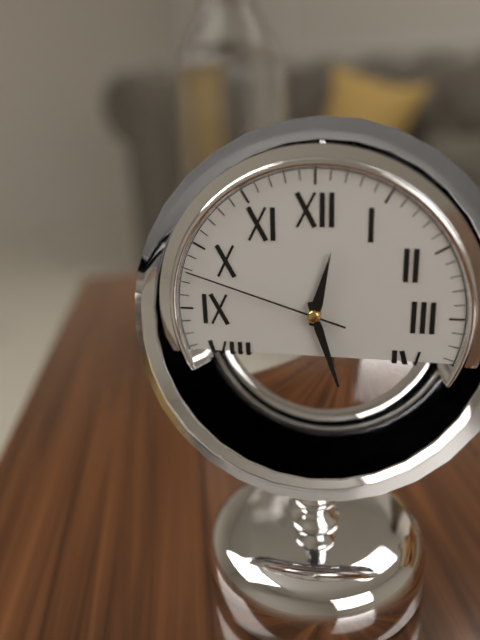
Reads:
12,27,48
